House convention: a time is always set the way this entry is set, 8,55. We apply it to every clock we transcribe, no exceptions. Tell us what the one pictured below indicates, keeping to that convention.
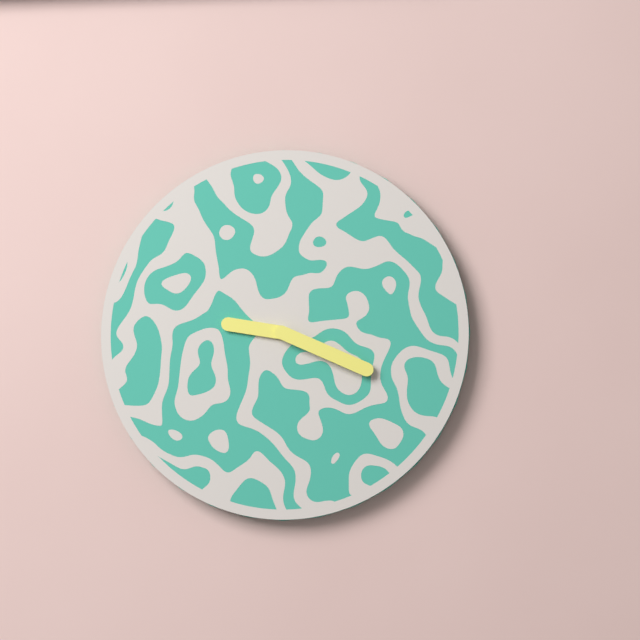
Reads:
9,19
